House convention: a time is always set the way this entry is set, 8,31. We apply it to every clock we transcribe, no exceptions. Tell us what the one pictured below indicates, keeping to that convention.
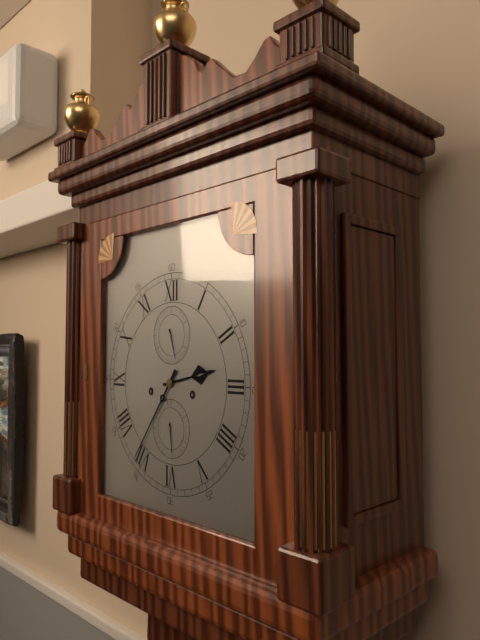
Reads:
2,36
